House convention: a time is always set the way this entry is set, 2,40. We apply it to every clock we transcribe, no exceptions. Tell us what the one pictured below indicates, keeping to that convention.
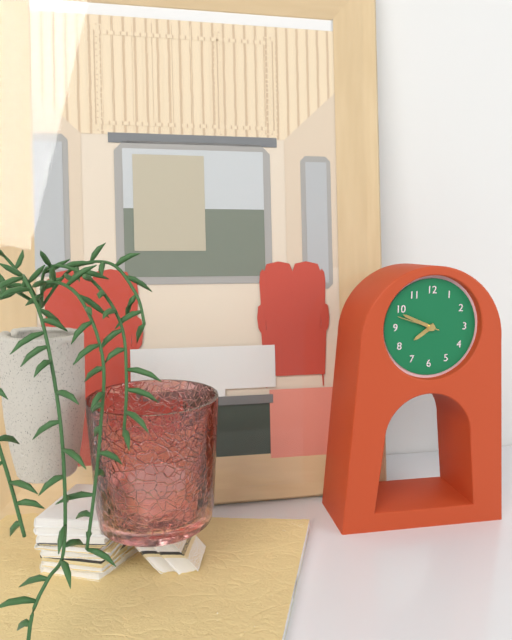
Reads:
7,49
